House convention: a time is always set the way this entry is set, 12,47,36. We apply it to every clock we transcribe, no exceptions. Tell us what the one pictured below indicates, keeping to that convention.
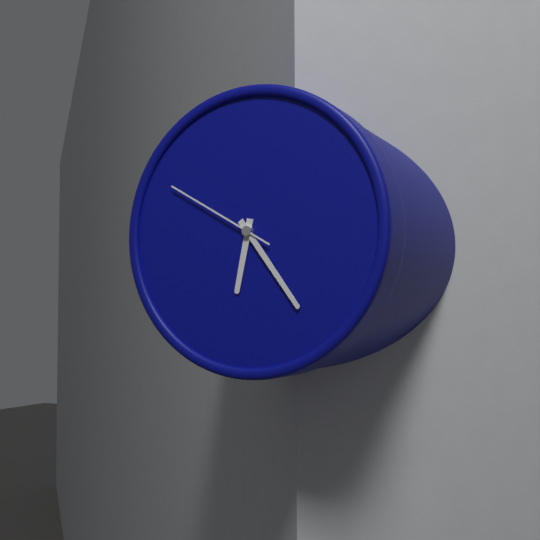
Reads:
6,24,50
